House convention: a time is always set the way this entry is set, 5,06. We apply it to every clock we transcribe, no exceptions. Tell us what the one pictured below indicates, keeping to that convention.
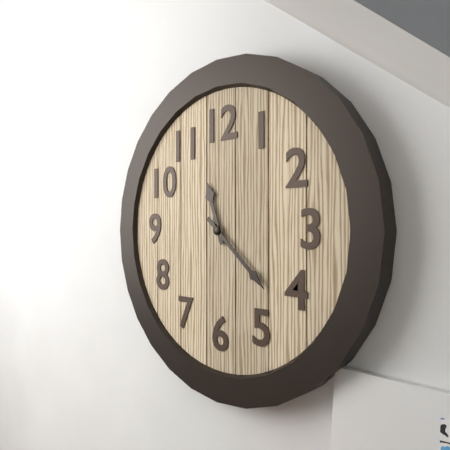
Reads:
11,22
